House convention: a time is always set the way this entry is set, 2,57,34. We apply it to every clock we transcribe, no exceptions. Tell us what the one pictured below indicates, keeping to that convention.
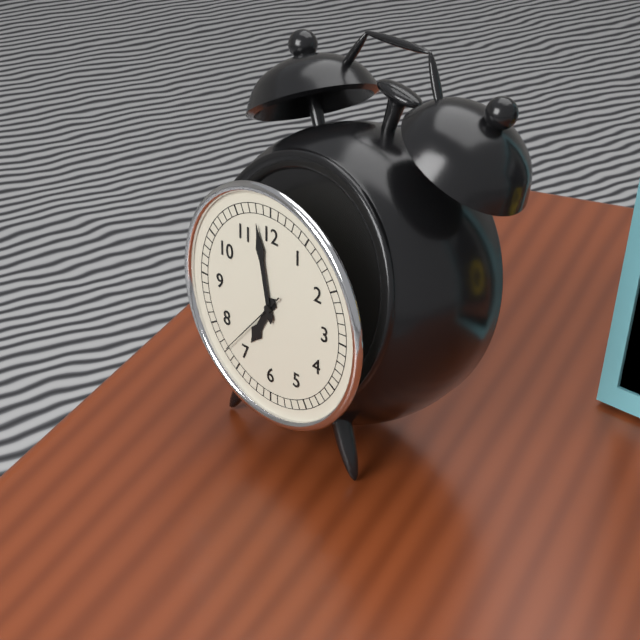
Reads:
6,58,37
